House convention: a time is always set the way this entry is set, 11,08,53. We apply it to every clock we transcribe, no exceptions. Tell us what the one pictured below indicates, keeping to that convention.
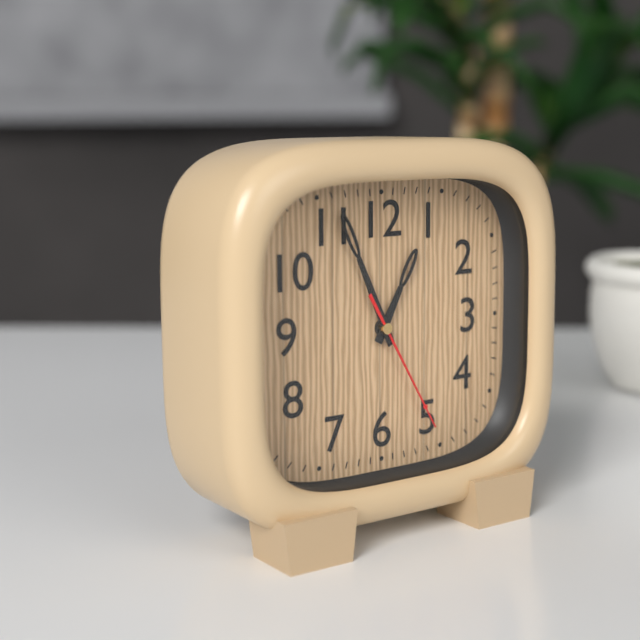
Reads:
12,56,25
